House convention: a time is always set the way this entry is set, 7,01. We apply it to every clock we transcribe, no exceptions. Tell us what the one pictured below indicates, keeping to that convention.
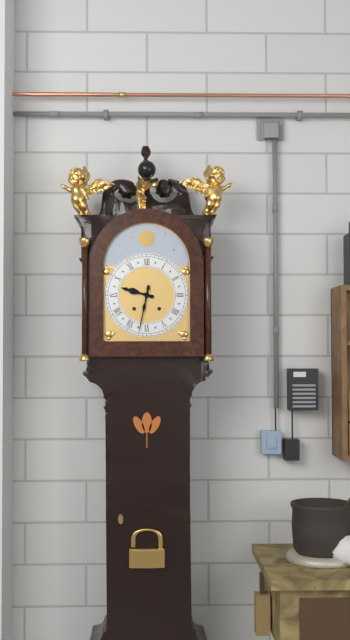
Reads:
9,32
